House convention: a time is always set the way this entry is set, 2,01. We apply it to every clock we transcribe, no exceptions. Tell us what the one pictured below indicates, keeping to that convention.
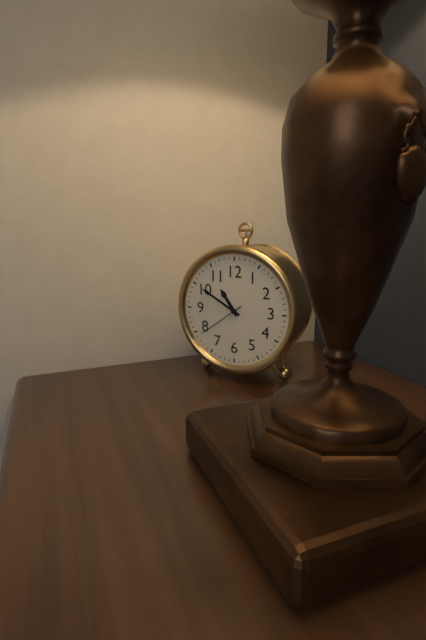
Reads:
10,50
